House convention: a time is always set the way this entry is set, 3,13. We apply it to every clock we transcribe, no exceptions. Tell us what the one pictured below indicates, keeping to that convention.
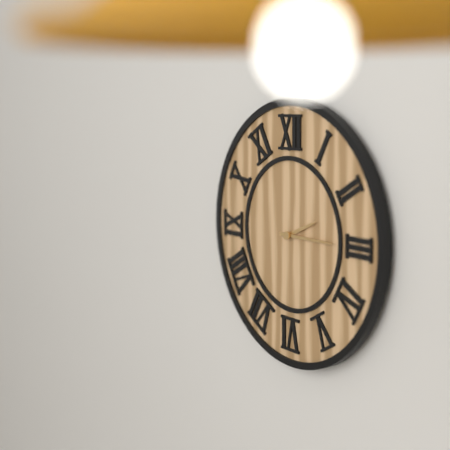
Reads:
2,15
